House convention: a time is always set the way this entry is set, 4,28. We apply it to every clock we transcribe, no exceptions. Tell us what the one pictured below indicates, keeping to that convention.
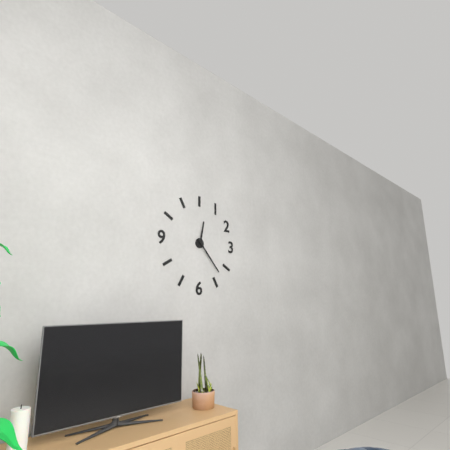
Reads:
12,23
